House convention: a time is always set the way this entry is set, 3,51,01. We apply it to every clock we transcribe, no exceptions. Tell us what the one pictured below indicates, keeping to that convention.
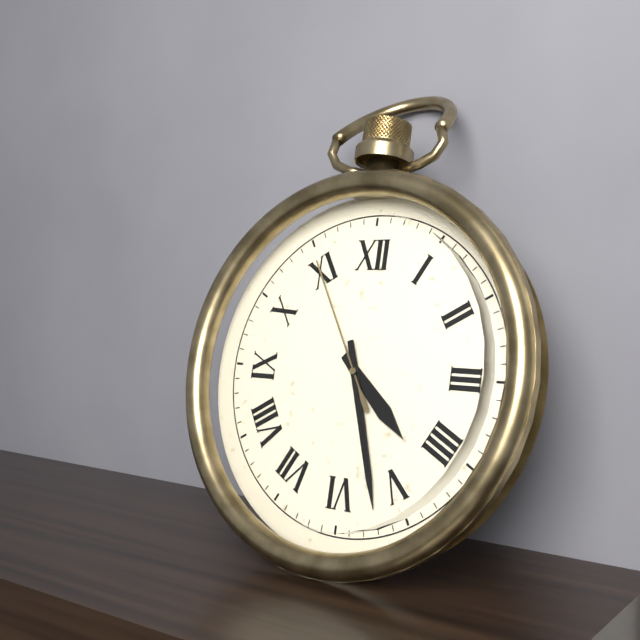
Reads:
4,27,55
